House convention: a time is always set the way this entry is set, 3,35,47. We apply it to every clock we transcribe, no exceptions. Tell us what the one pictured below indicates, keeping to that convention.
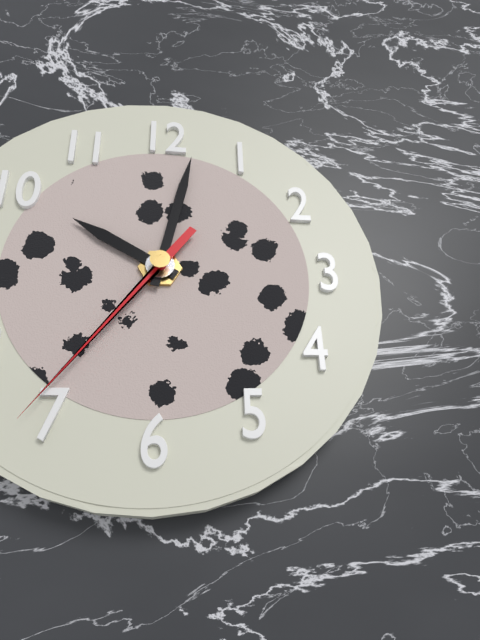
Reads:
10,02,36
